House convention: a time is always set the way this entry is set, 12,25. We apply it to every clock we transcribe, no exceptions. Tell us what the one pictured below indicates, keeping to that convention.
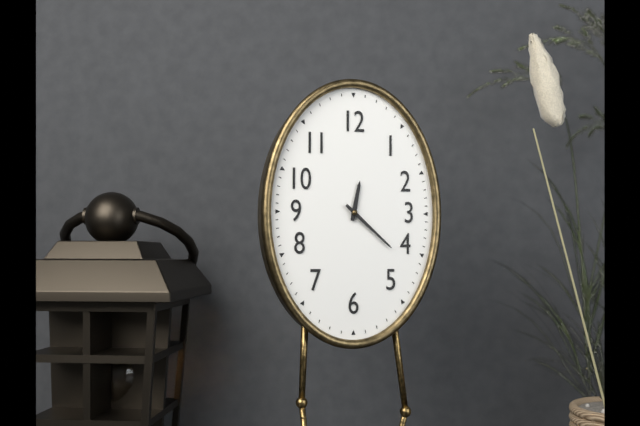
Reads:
12,22
